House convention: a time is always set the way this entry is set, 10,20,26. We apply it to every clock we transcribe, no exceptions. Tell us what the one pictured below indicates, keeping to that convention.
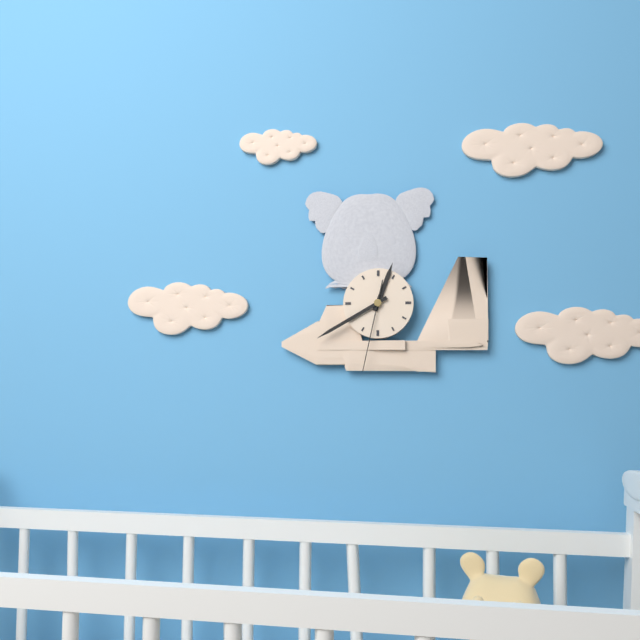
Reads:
12,40,32
